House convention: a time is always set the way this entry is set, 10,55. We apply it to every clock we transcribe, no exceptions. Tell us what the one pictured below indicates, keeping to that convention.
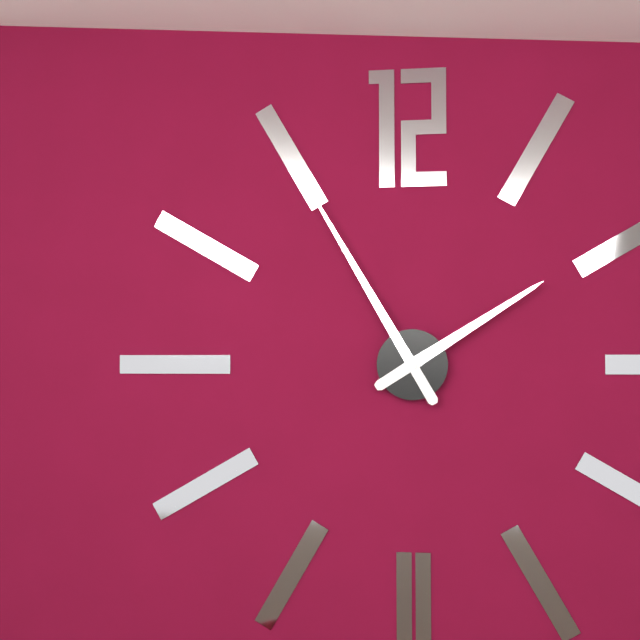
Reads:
1,55
